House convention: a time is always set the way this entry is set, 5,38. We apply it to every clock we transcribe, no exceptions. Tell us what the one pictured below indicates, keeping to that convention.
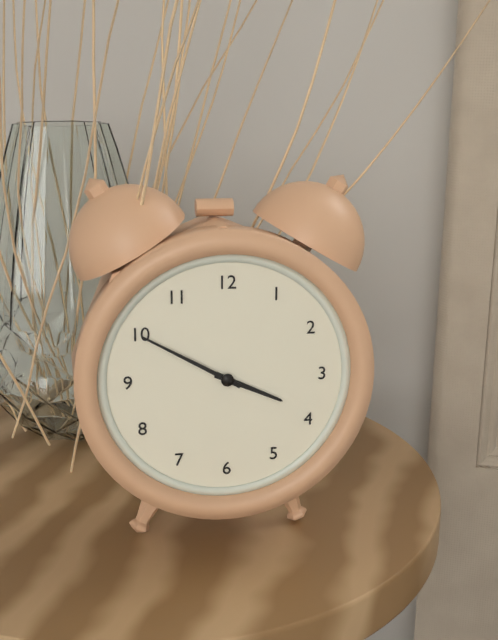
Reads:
3,50
